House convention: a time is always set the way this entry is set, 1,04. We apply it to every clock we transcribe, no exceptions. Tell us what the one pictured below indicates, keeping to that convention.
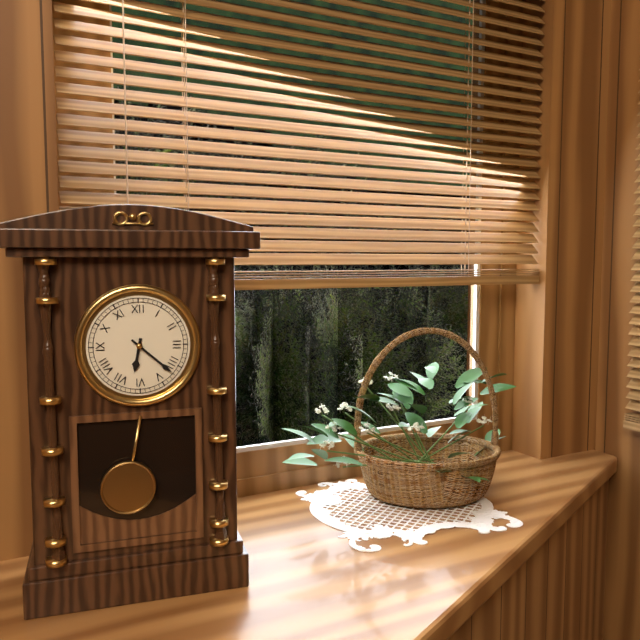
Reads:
6,22
